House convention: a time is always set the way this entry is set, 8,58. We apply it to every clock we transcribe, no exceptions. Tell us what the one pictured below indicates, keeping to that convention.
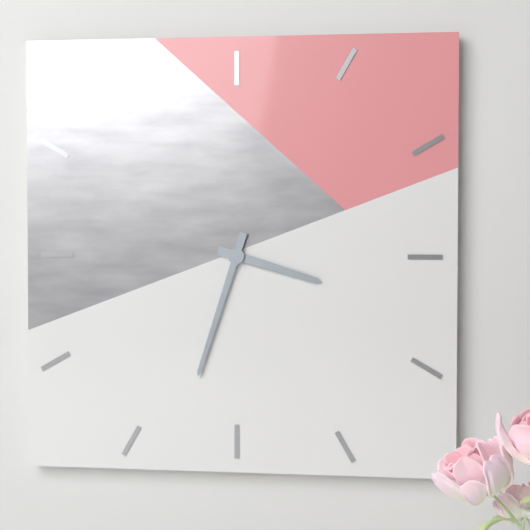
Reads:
3,33
